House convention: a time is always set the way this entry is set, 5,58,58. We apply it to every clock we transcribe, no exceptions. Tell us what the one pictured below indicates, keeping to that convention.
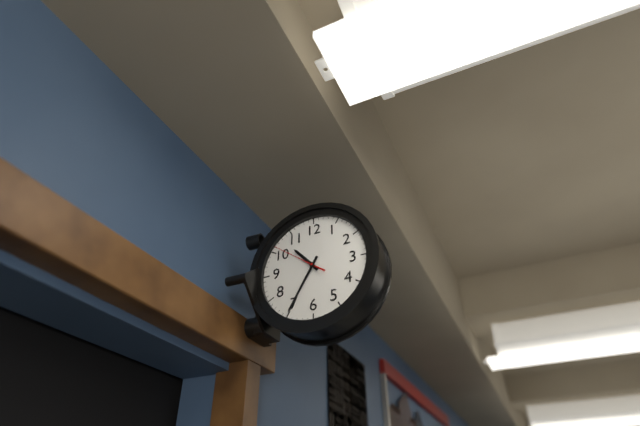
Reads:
10,35,51
